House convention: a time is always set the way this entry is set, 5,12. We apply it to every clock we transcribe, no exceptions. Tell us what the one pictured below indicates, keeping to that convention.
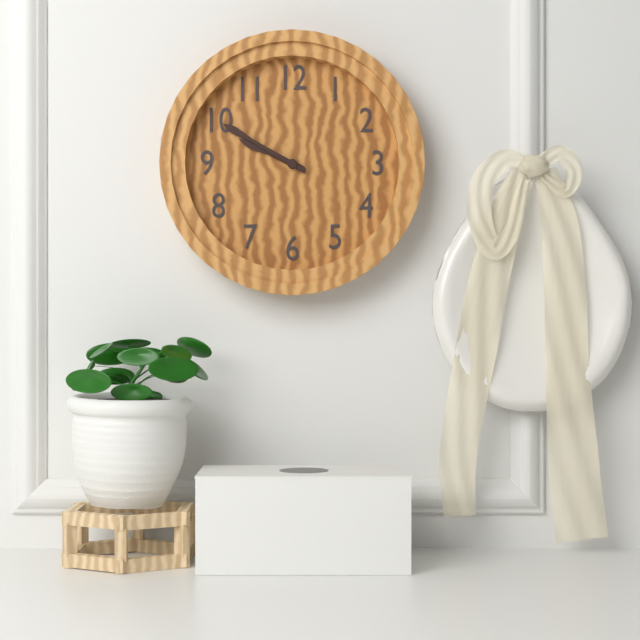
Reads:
9,50
